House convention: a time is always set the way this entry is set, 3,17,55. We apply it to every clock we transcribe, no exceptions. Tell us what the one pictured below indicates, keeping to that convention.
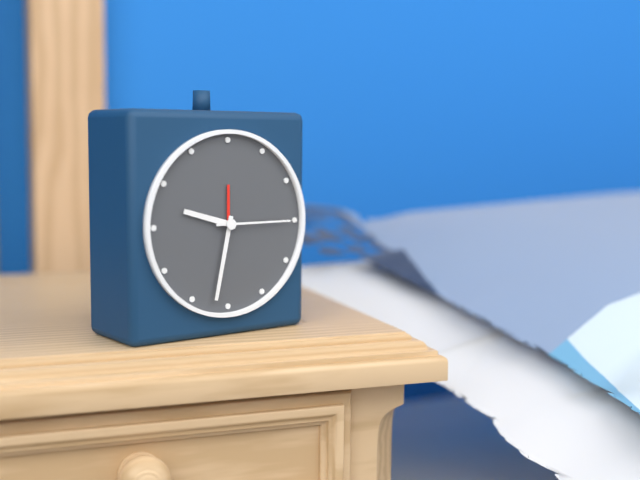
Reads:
9,32,15
